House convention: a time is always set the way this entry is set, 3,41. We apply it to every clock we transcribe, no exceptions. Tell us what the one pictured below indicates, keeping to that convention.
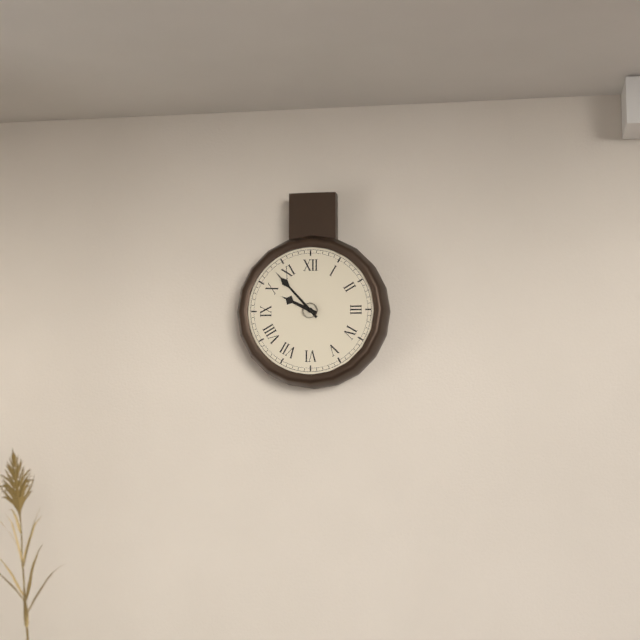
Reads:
9,53
